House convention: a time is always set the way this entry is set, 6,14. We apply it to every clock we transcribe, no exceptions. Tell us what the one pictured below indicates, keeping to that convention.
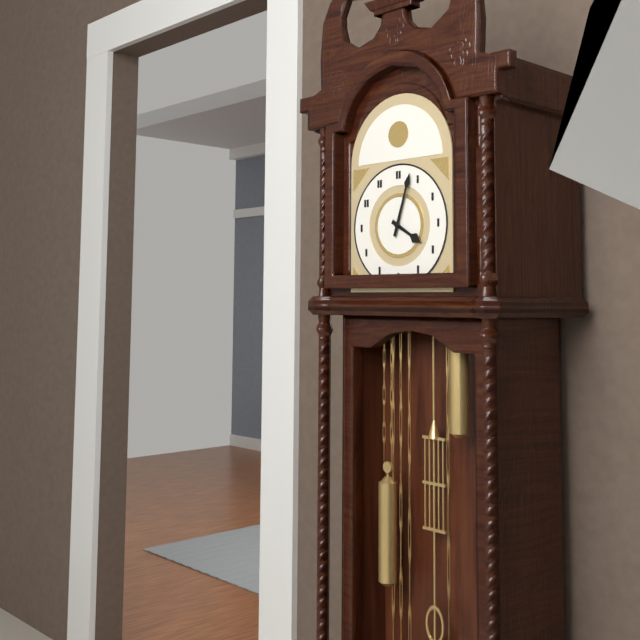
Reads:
4,03
